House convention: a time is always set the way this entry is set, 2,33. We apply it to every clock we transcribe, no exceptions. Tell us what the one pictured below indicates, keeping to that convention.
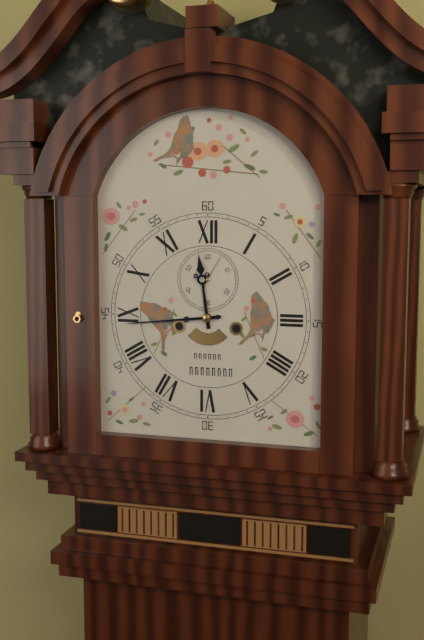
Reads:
11,44
